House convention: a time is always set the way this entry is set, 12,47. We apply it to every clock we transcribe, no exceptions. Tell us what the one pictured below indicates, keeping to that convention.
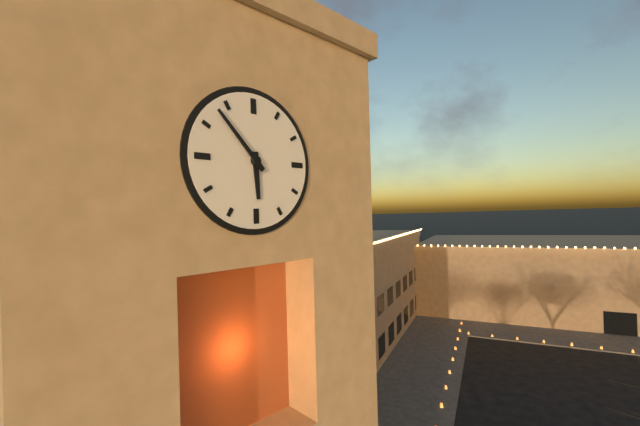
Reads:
5,53
